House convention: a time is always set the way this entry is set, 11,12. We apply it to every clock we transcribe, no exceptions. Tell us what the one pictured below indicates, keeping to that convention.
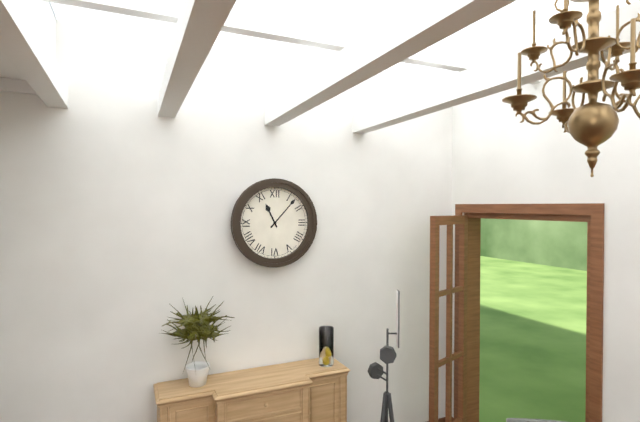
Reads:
11,07
